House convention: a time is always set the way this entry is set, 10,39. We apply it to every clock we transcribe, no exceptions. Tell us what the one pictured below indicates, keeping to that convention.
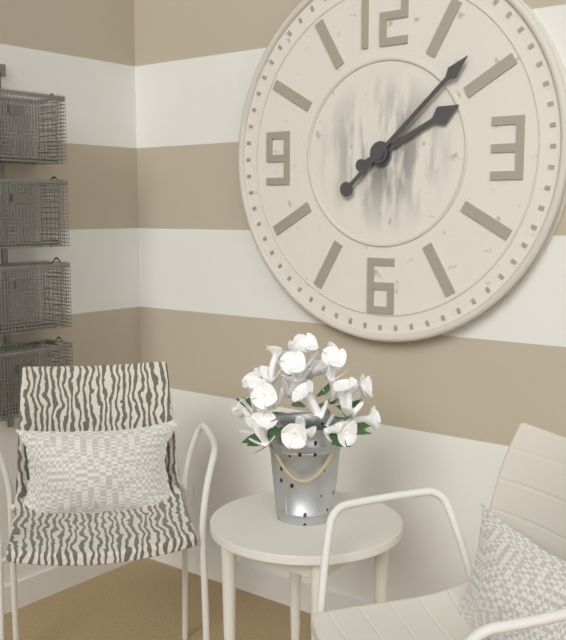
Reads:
2,08
